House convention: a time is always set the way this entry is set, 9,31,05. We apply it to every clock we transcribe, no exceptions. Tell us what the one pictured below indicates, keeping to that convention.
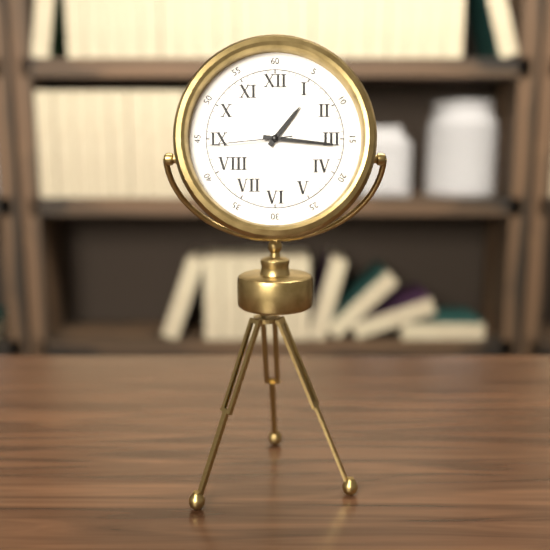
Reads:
1,16,44
